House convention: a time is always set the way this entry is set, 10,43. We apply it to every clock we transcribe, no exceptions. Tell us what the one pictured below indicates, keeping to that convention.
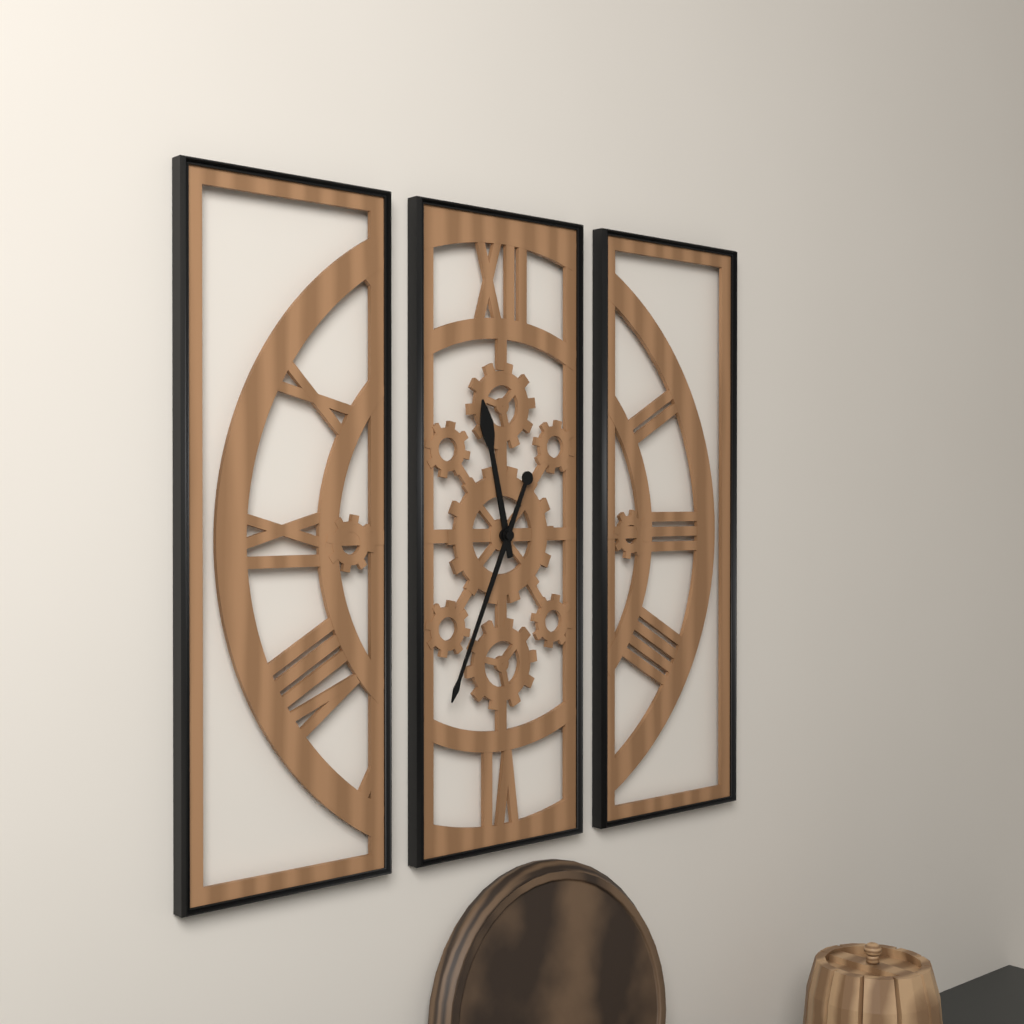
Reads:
11,34
